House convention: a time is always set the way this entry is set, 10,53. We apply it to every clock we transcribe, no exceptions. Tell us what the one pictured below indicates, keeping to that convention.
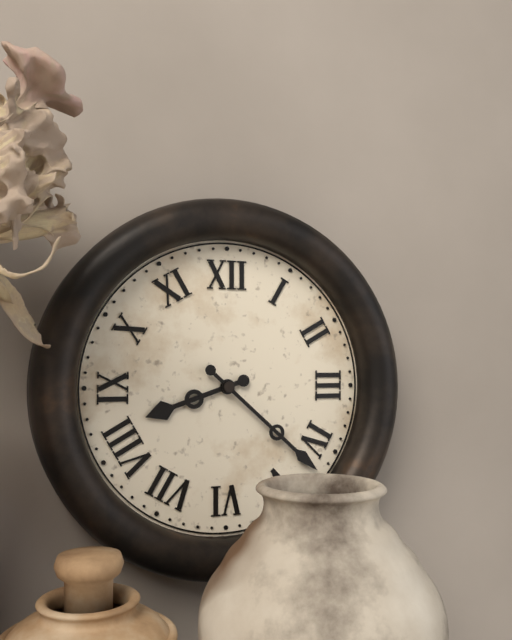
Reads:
8,22
